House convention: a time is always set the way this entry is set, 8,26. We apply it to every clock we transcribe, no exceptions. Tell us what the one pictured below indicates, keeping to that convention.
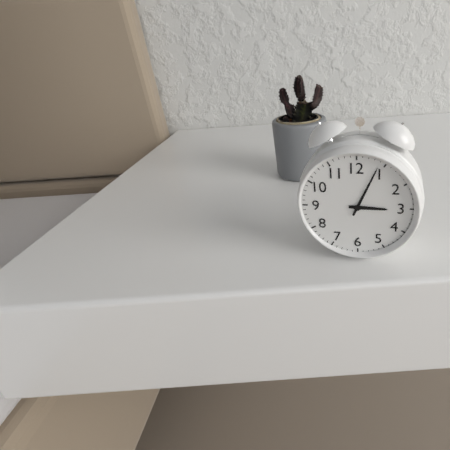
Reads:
3,04
